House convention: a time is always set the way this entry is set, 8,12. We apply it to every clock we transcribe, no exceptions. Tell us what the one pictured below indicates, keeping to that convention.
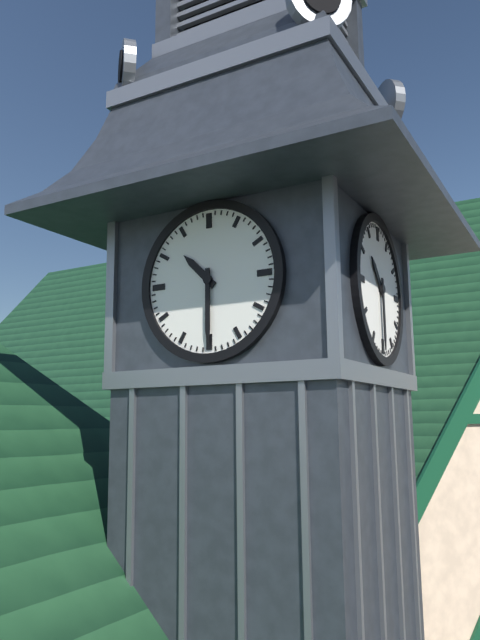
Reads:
10,30
